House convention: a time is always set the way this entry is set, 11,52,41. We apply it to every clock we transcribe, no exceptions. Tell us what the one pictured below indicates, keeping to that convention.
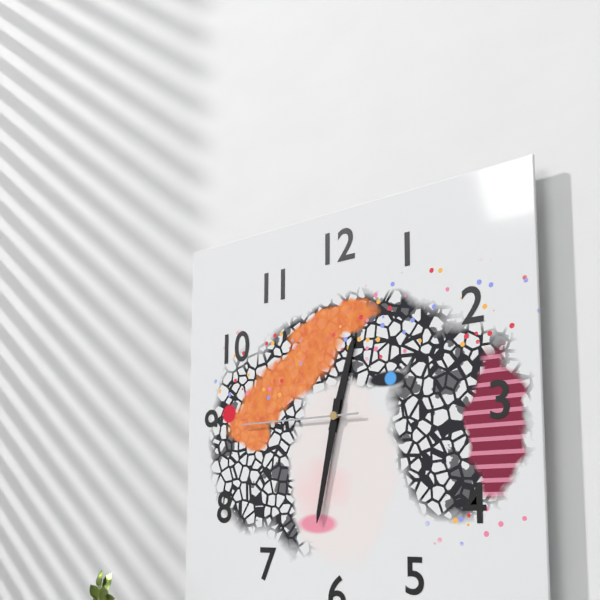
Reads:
12,32,45
